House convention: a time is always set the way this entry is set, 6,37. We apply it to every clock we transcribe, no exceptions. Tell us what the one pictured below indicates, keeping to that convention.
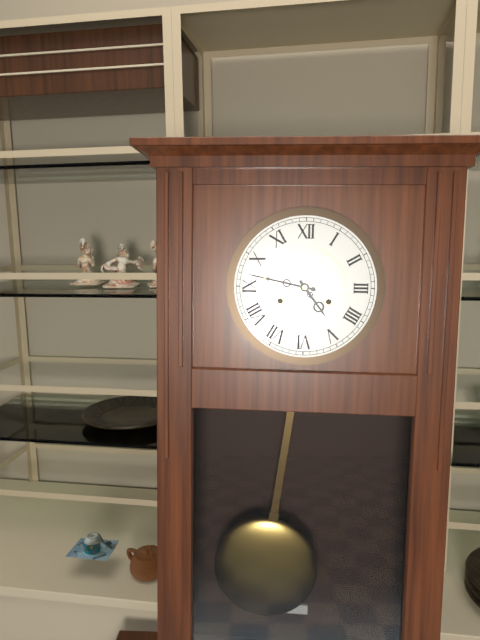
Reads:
4,47
